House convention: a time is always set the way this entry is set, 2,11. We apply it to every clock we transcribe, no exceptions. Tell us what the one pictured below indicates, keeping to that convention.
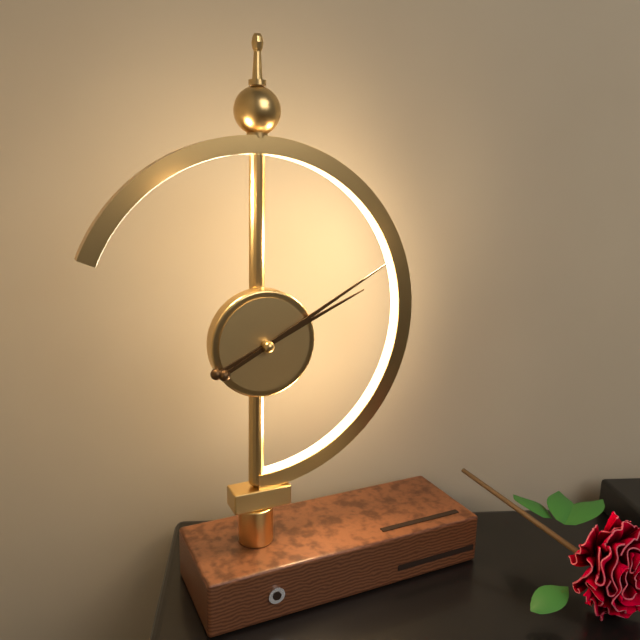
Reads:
2,10
